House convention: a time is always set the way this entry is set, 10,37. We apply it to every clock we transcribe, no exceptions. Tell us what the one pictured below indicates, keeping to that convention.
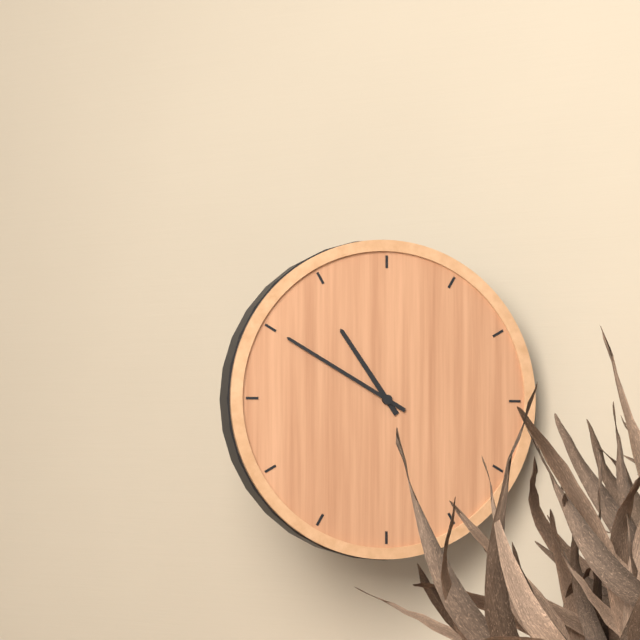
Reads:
10,50
